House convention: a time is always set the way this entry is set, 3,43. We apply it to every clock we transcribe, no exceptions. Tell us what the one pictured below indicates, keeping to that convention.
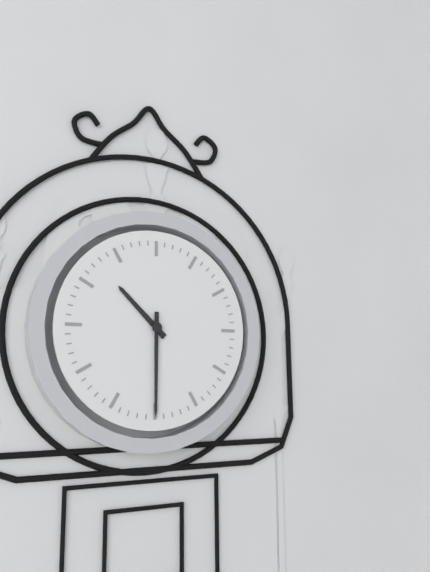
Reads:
10,30
